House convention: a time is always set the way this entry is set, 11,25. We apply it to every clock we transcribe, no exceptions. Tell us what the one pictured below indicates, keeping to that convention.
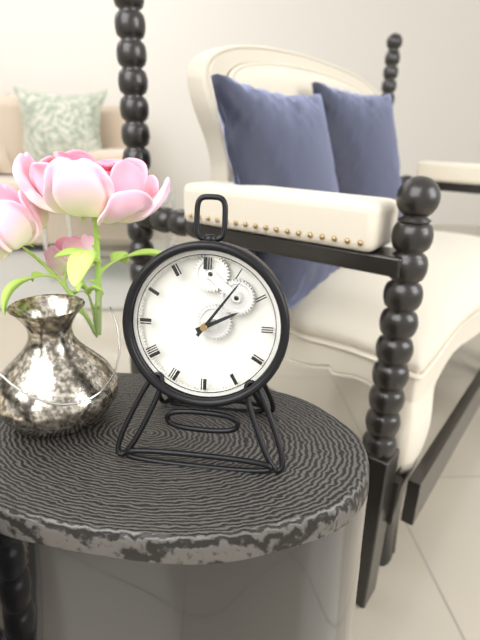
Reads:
2,06
